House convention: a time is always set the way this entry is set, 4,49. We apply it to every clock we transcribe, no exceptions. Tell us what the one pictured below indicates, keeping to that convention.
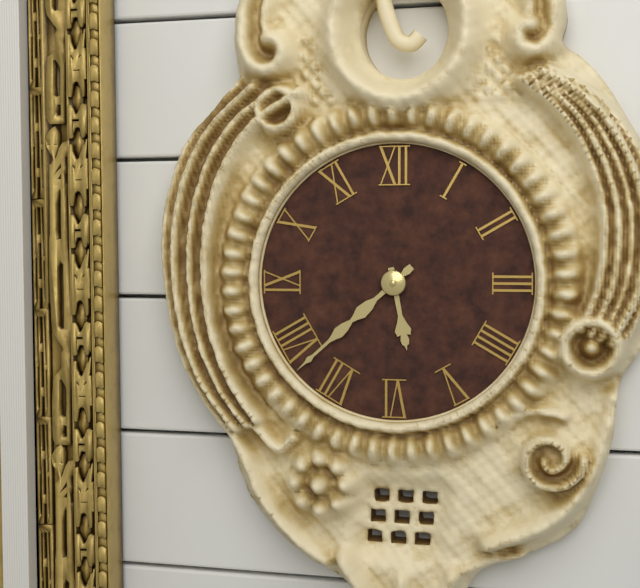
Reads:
5,38
